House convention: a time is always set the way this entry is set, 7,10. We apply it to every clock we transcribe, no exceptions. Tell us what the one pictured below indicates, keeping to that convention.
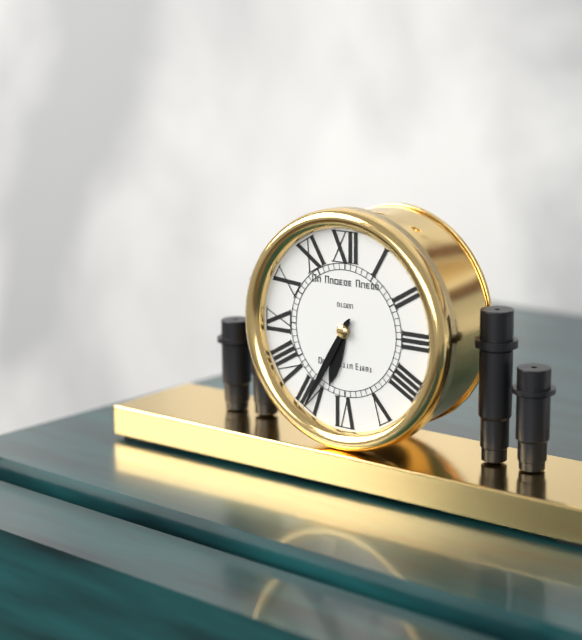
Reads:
6,35
